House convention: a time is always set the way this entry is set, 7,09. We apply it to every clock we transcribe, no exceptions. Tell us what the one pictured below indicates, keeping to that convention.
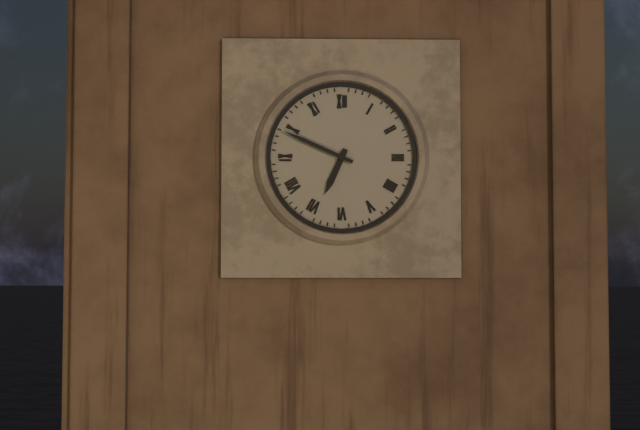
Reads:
6,49
